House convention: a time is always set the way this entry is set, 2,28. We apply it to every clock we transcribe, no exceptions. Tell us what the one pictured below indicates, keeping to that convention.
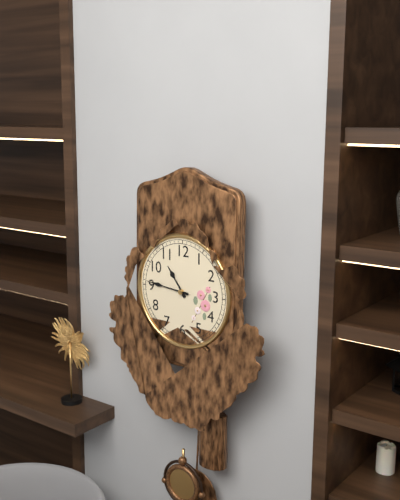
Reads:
10,46
